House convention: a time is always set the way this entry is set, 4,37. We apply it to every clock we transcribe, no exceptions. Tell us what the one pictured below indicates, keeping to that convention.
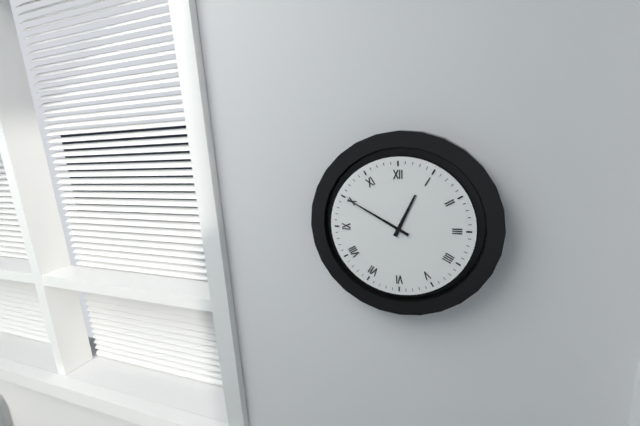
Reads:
12,50
